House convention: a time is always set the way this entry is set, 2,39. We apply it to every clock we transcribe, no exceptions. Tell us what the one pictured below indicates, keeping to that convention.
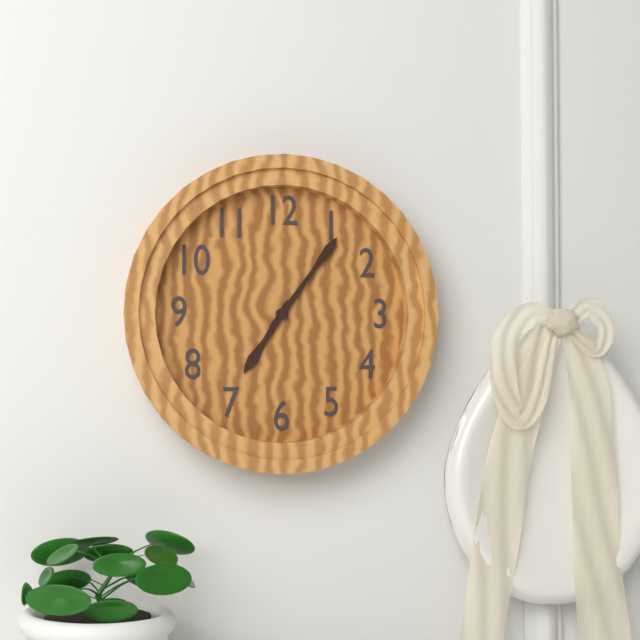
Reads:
7,06
